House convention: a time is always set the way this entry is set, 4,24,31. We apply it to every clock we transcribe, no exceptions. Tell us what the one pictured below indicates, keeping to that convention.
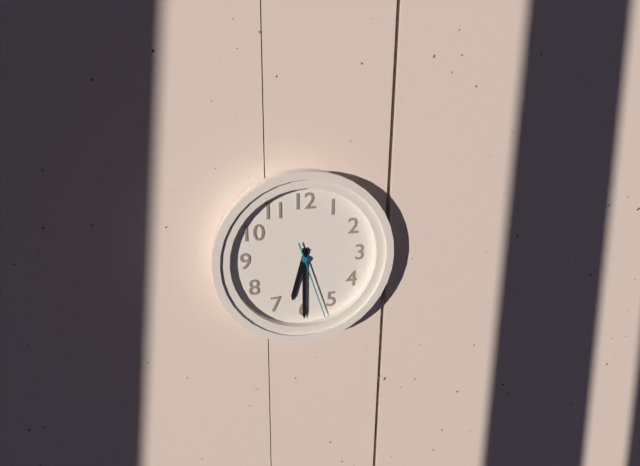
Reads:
6,30,27
